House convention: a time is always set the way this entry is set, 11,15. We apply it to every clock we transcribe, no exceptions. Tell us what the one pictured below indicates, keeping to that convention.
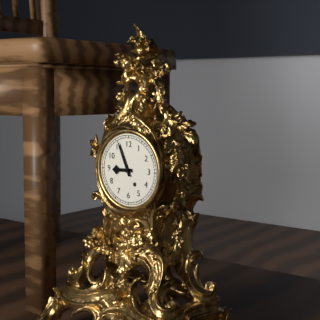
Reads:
8,56
